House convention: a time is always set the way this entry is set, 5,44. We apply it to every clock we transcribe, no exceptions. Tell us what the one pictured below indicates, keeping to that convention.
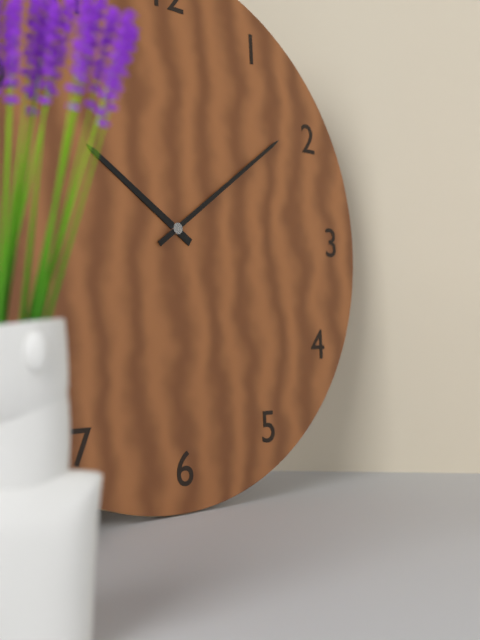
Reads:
10,09
